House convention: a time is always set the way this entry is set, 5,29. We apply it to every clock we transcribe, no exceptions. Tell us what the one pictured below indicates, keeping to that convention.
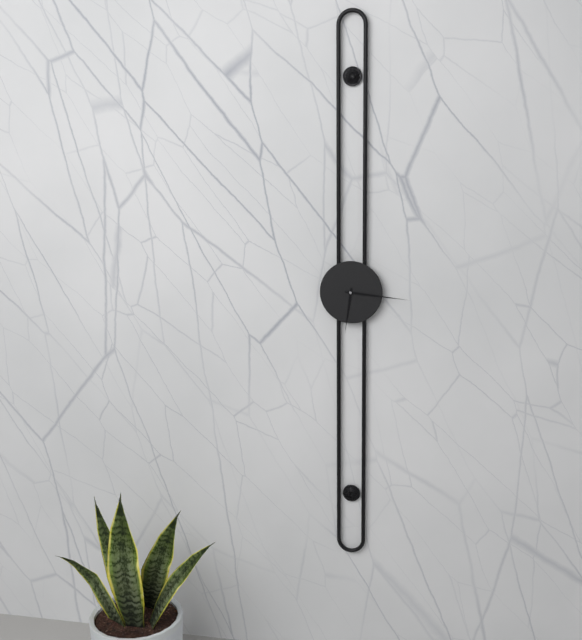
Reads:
6,16
